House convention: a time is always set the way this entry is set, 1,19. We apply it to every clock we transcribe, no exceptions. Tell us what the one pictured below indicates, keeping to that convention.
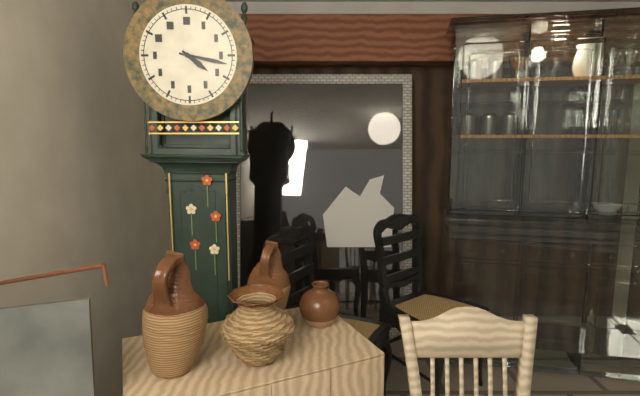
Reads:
4,17
